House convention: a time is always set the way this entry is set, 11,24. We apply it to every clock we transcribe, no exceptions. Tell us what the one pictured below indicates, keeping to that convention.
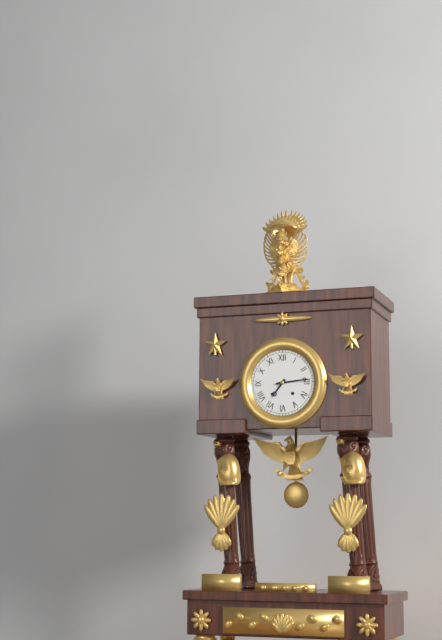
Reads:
7,14
